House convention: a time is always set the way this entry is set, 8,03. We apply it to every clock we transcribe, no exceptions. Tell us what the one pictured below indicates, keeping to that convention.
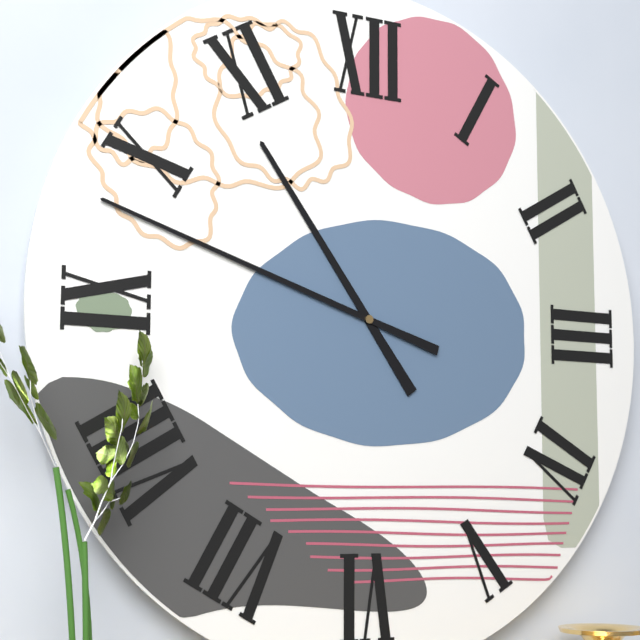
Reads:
10,48
